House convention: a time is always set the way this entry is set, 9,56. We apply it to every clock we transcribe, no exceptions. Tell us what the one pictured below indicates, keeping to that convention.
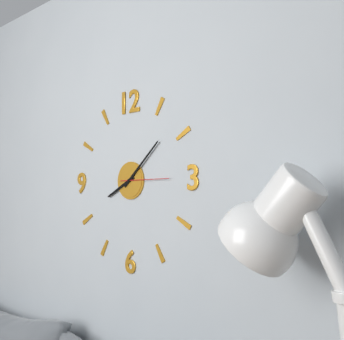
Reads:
8,08
